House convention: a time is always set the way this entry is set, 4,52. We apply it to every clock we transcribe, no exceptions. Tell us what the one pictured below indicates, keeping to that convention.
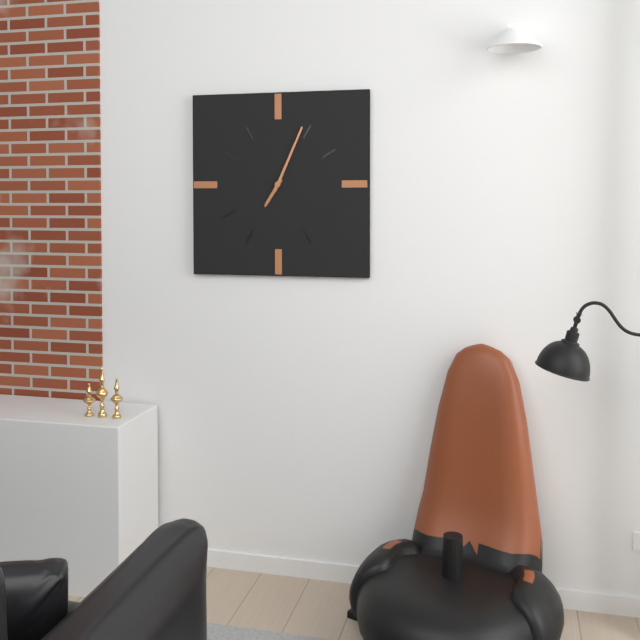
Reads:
7,04
